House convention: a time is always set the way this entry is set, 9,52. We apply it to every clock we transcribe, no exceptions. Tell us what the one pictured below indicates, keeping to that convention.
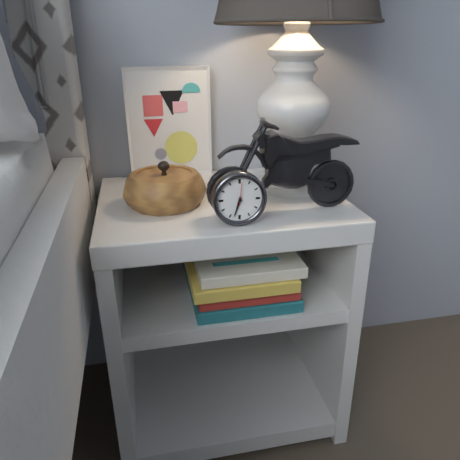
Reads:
6,33
